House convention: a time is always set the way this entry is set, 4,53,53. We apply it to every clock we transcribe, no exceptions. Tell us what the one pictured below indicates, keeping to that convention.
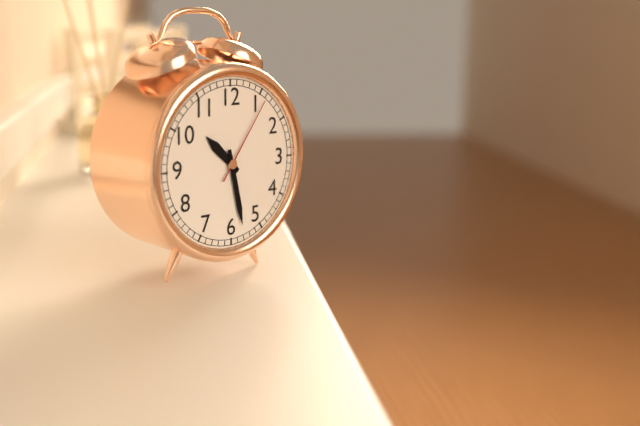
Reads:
10,28,06
